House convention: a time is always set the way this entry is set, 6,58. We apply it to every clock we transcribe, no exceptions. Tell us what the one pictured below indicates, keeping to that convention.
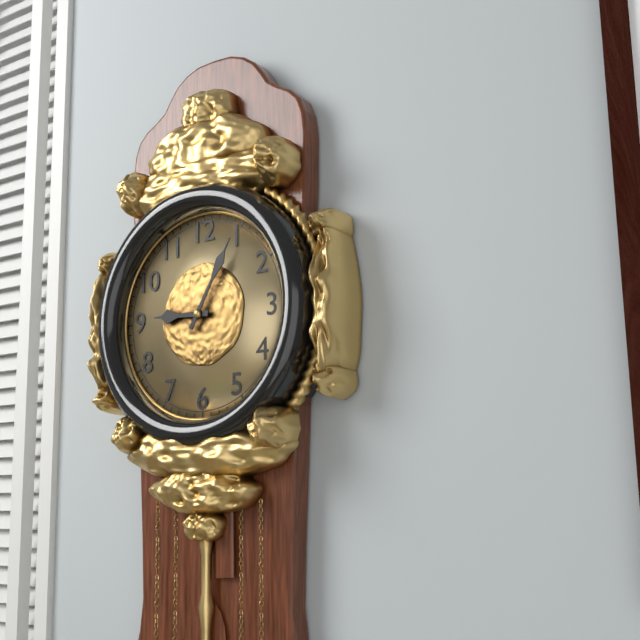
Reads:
9,05
